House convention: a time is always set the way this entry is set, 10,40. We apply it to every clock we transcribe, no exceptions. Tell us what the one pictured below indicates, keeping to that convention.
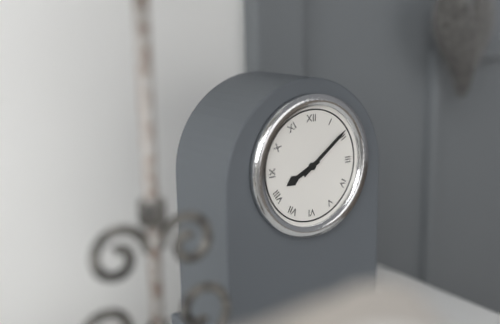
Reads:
8,09
